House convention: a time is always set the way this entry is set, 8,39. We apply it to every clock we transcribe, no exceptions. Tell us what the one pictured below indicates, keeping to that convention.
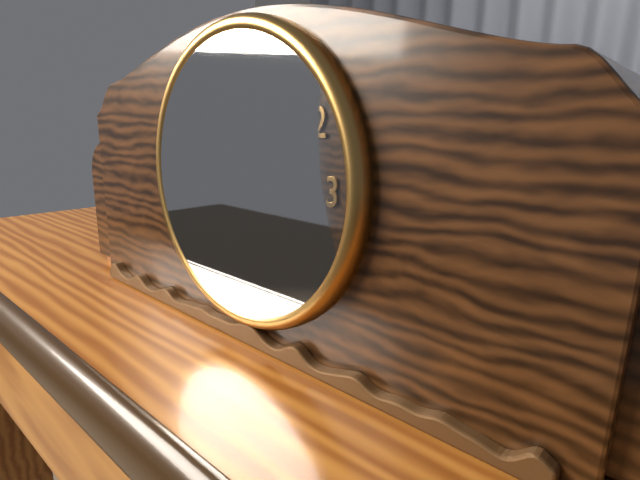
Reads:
3,55
